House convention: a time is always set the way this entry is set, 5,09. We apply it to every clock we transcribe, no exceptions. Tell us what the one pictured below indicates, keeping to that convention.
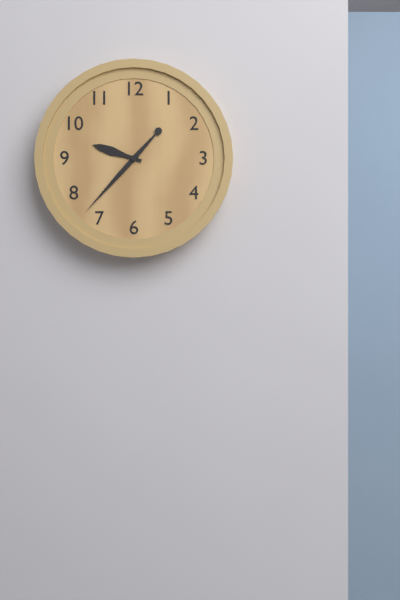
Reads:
9,37
